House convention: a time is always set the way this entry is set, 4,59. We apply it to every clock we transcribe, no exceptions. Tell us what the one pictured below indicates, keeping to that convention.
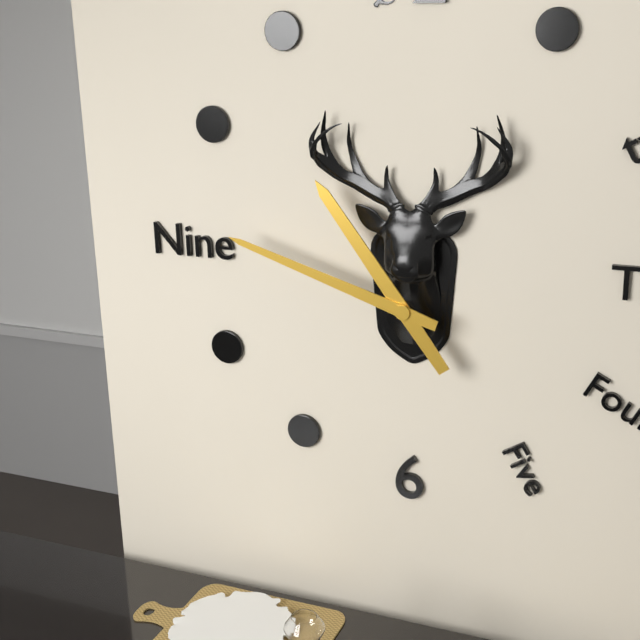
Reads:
10,48
